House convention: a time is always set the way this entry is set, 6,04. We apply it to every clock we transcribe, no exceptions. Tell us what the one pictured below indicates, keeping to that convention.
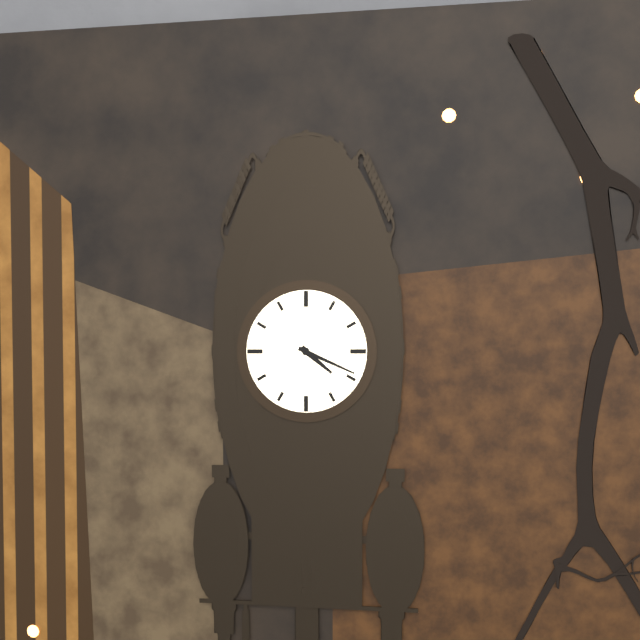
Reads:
4,19
